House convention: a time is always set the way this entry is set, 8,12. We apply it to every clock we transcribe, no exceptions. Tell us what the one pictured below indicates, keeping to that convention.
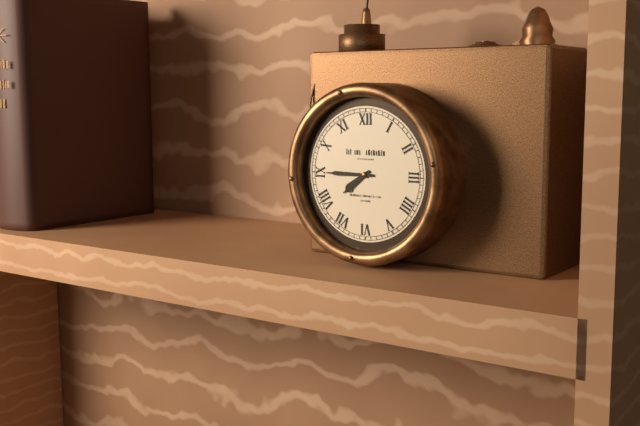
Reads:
7,45
